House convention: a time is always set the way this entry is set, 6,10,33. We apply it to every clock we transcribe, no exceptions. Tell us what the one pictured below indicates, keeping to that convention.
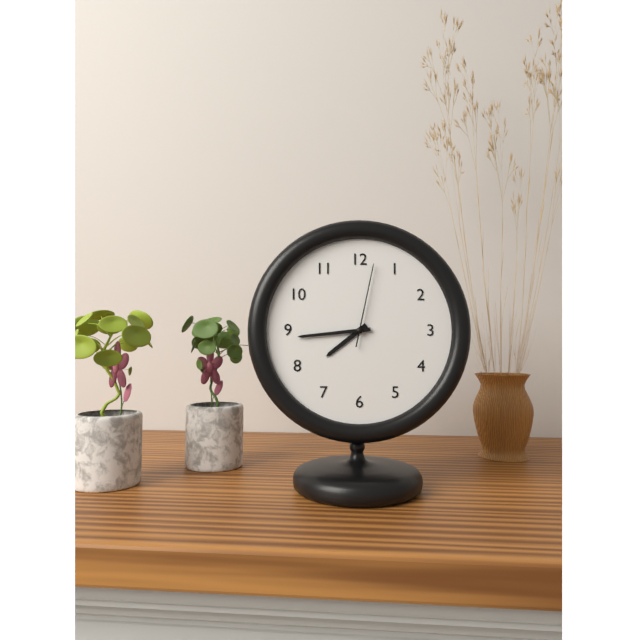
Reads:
7,44,02
